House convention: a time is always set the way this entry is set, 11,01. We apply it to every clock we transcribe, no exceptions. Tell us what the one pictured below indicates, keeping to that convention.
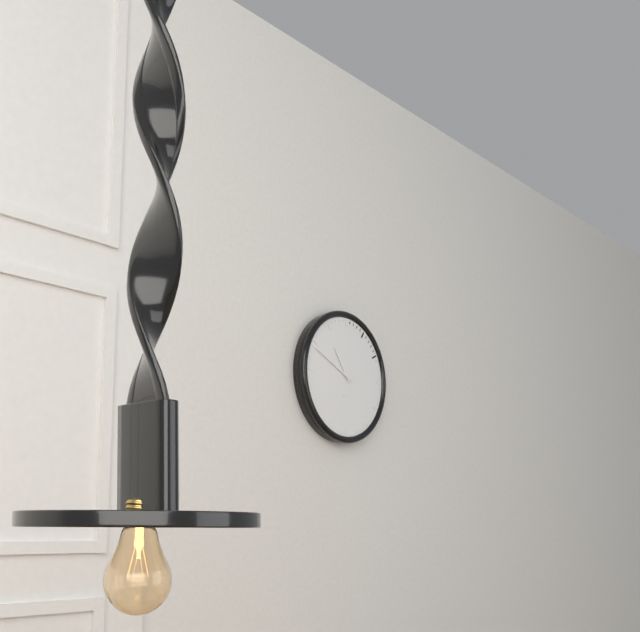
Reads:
10,49
